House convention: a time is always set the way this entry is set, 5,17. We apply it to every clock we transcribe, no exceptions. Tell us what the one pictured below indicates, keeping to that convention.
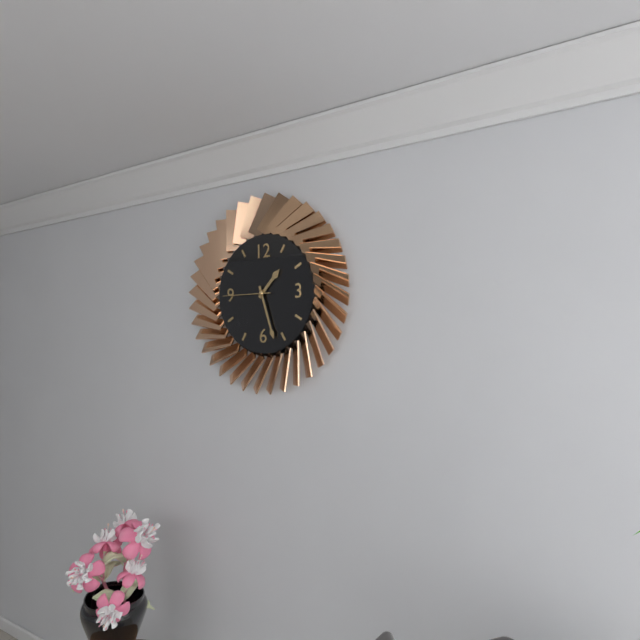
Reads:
1,27
